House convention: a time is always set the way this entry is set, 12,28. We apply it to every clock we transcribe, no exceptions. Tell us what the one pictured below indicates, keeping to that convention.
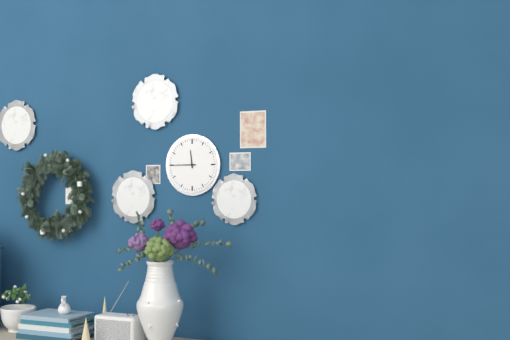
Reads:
11,45
